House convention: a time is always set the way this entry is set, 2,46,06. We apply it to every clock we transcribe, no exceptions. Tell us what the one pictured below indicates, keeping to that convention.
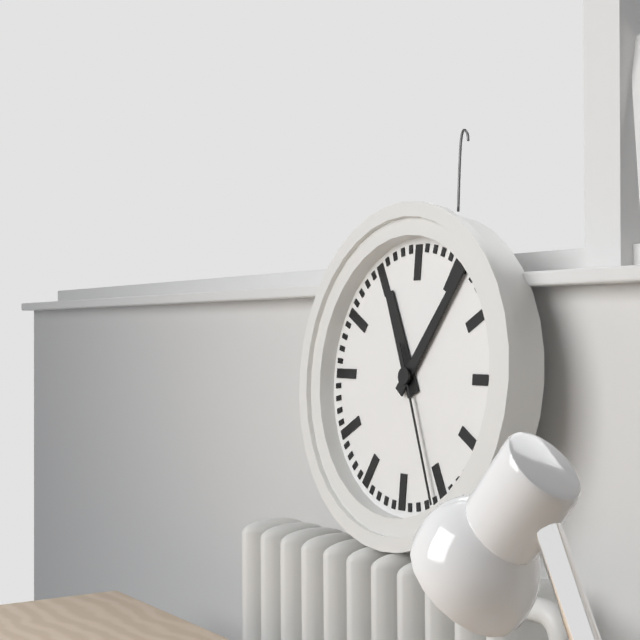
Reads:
11,06,26
